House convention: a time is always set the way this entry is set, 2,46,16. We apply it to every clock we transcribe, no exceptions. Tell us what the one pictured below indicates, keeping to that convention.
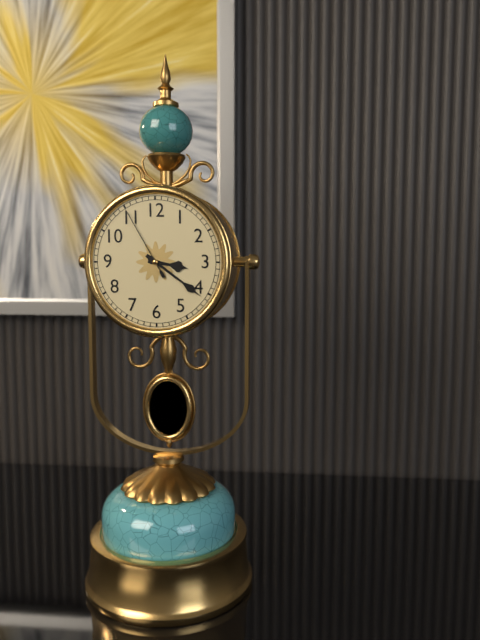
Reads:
3,21,55
